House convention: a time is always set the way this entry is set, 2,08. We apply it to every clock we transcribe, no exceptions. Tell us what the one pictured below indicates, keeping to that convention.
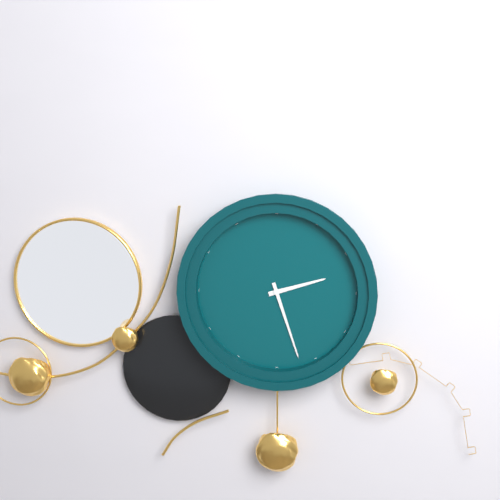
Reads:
2,27
